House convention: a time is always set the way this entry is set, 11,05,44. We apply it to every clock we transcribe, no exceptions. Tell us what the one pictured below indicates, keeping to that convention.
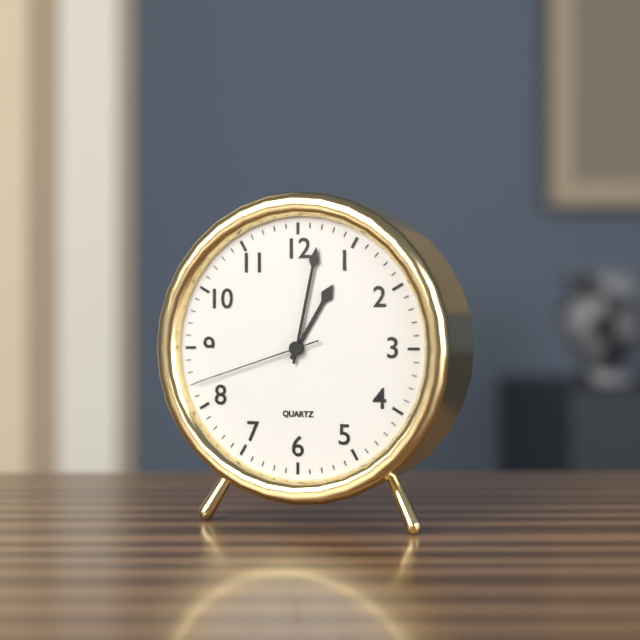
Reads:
1,02,42
